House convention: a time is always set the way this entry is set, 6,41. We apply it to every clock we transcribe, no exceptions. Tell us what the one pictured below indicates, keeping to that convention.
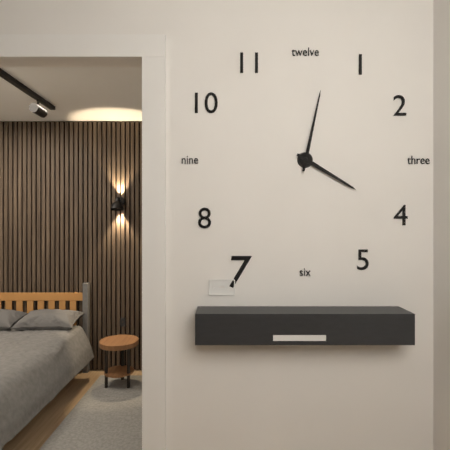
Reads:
4,02
